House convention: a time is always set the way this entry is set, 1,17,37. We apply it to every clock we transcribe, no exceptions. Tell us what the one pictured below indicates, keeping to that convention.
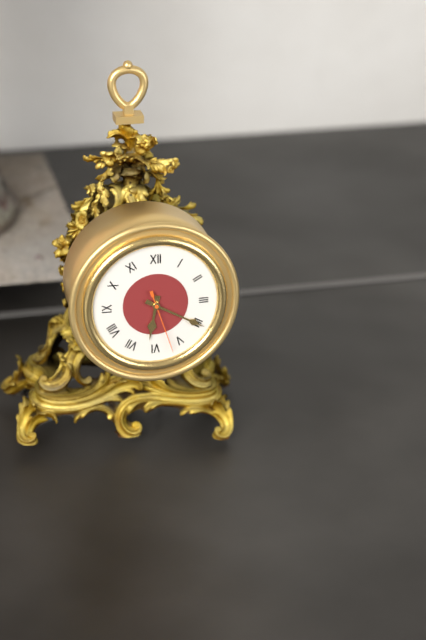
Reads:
6,20,27
